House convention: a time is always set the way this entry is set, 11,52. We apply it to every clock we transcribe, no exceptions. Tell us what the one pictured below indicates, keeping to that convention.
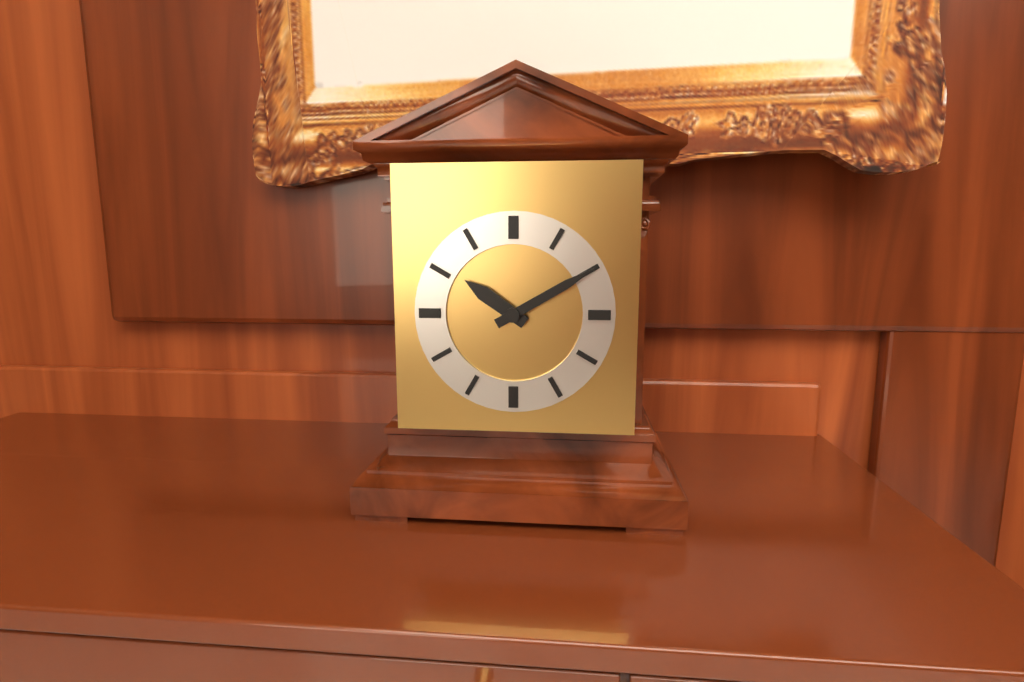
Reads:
10,10
